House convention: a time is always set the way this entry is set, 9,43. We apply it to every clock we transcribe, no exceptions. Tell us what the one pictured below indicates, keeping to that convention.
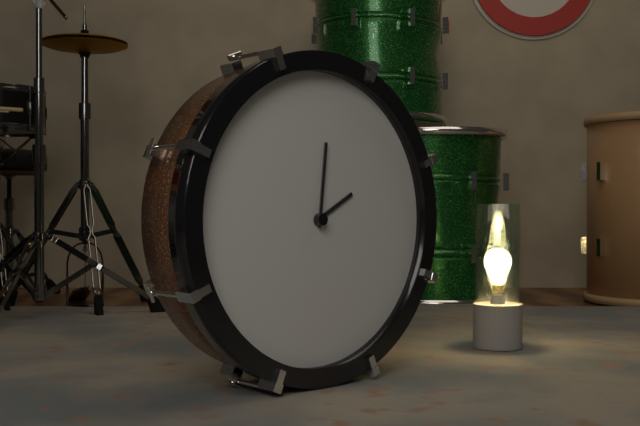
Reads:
2,01
